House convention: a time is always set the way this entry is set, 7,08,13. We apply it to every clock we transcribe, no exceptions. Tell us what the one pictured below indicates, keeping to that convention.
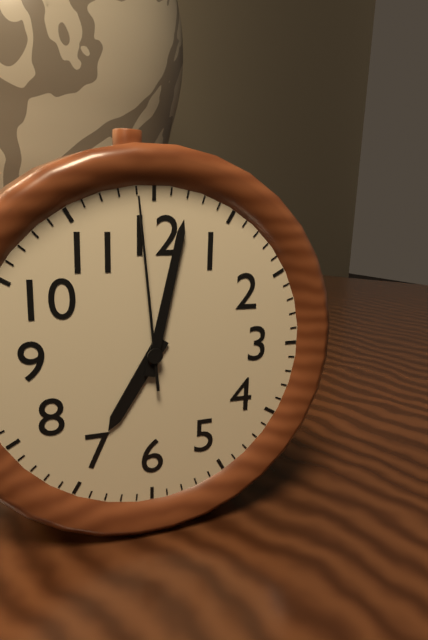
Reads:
7,02,59
